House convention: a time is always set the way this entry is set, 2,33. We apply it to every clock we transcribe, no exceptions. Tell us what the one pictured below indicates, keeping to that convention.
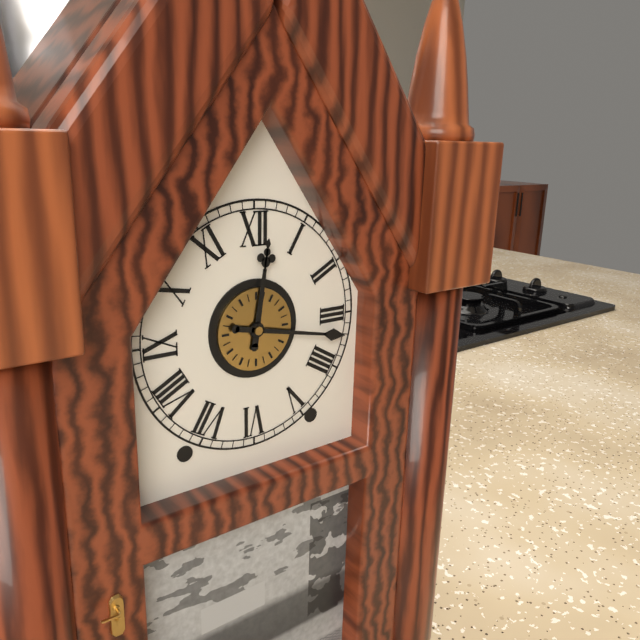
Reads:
12,17
